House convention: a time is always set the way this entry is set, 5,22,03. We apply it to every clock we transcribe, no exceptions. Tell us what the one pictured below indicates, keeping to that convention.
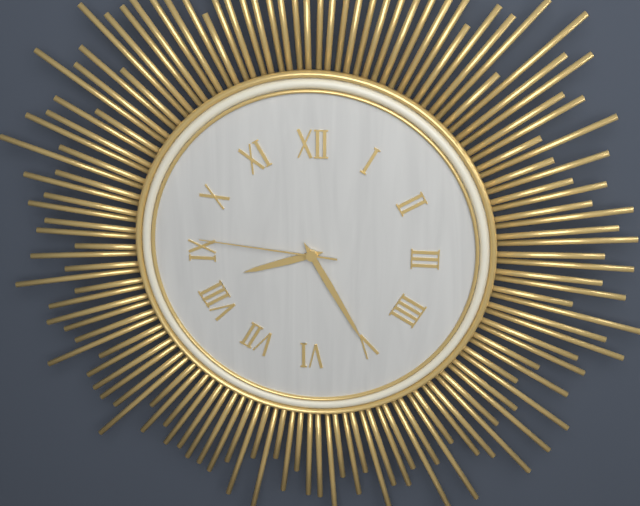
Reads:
8,25,46
